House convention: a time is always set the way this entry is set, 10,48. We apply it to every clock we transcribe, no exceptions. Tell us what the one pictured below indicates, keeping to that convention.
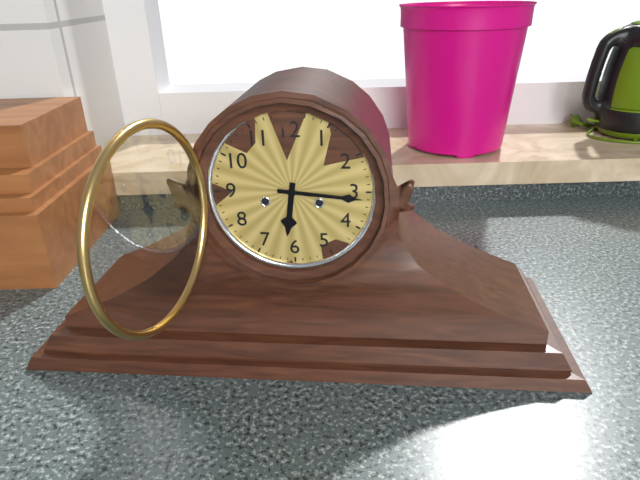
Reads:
6,16
